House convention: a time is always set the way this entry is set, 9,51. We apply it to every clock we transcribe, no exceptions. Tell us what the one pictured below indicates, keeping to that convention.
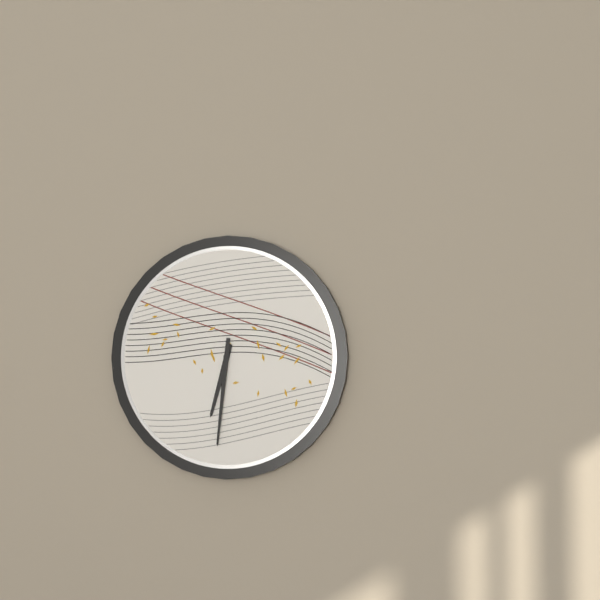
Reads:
6,31
